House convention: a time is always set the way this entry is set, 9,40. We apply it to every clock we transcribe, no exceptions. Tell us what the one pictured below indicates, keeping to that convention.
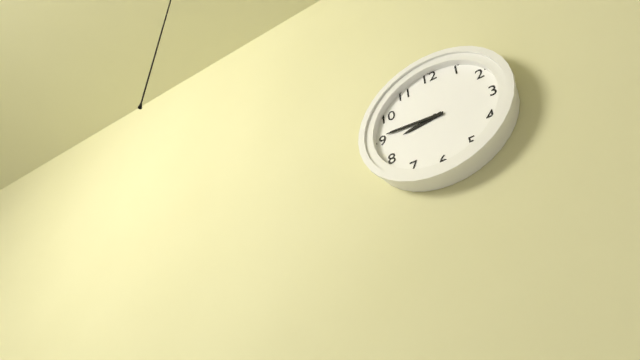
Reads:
8,46
